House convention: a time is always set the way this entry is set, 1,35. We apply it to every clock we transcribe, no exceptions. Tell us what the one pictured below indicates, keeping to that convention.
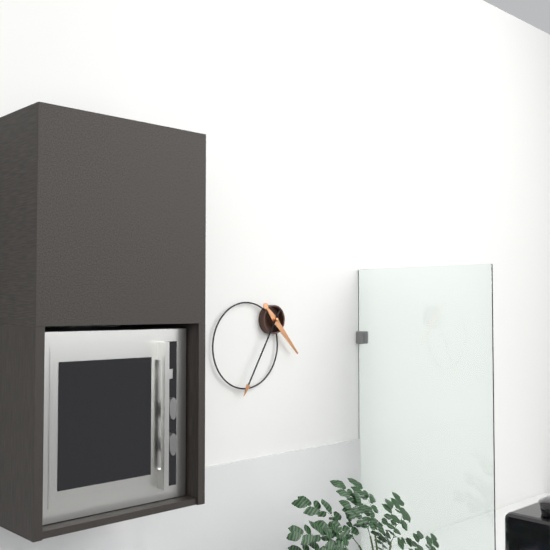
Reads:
4,35
